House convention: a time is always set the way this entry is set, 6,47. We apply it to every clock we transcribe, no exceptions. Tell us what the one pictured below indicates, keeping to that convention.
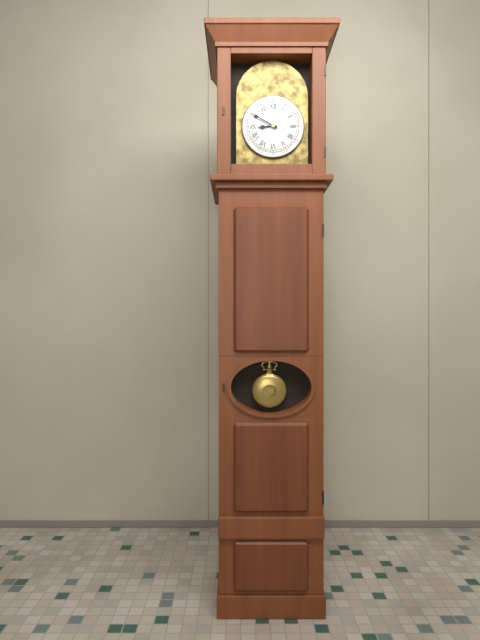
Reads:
8,50
